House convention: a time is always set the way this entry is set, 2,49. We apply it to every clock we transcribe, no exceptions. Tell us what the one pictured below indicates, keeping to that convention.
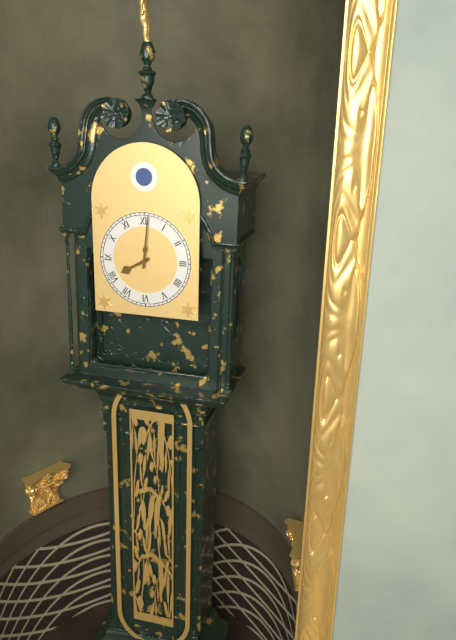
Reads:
8,01
